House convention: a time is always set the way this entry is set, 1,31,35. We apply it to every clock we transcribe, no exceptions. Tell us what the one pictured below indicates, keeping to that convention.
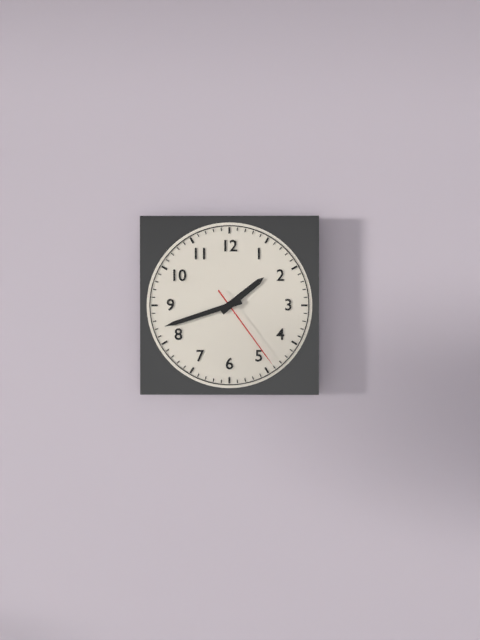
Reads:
1,42,24
